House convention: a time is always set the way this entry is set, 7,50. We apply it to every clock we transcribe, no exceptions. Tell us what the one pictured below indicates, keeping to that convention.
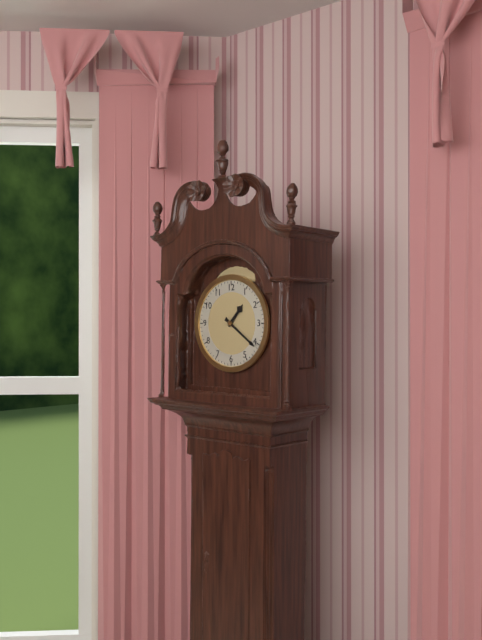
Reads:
1,21
